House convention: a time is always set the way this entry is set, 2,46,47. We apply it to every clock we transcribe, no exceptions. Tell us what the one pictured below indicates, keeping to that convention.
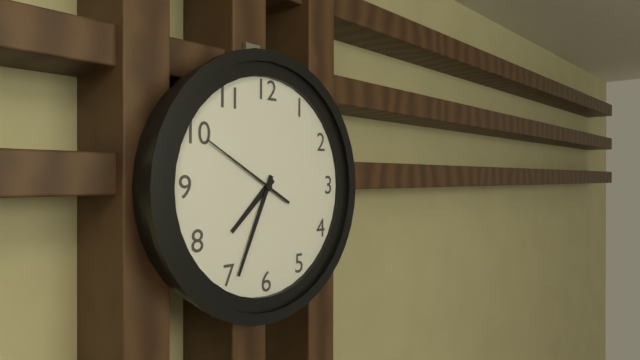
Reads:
7,34,50
